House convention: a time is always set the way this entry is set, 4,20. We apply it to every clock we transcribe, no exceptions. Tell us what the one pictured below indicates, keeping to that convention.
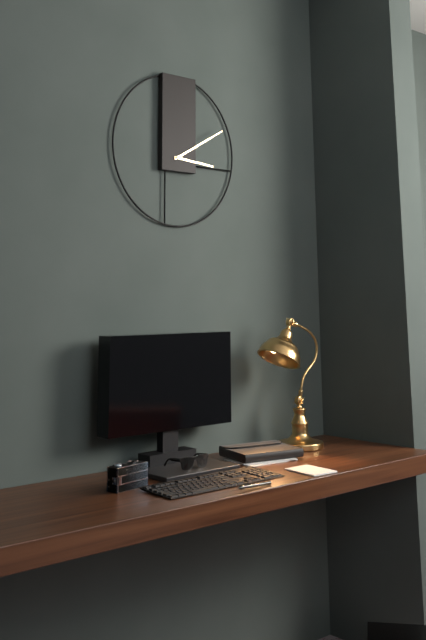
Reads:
3,10
